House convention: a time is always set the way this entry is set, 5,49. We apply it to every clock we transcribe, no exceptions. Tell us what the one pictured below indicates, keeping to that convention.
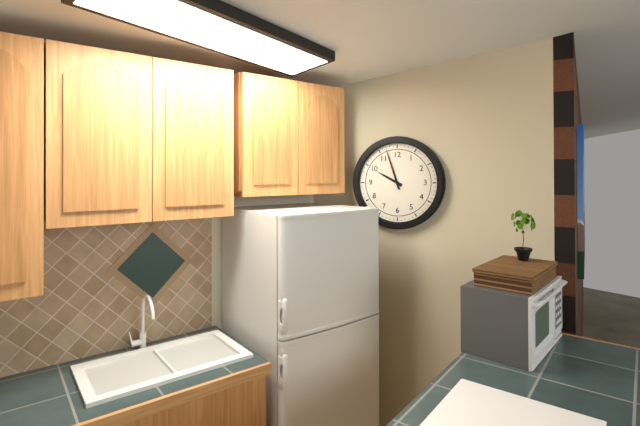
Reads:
9,57
